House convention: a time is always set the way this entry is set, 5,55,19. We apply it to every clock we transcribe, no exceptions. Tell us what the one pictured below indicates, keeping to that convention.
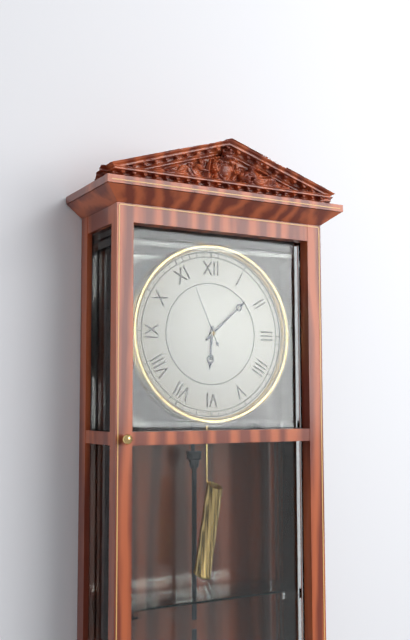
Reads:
6,08,56
